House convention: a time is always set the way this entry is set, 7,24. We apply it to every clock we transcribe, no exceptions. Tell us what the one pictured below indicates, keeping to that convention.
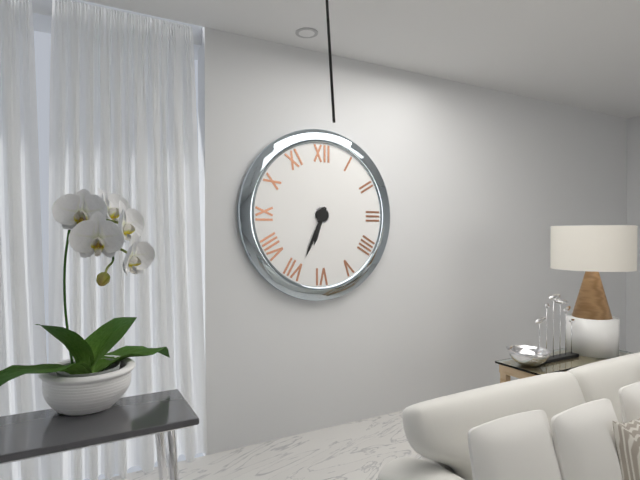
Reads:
6,34
